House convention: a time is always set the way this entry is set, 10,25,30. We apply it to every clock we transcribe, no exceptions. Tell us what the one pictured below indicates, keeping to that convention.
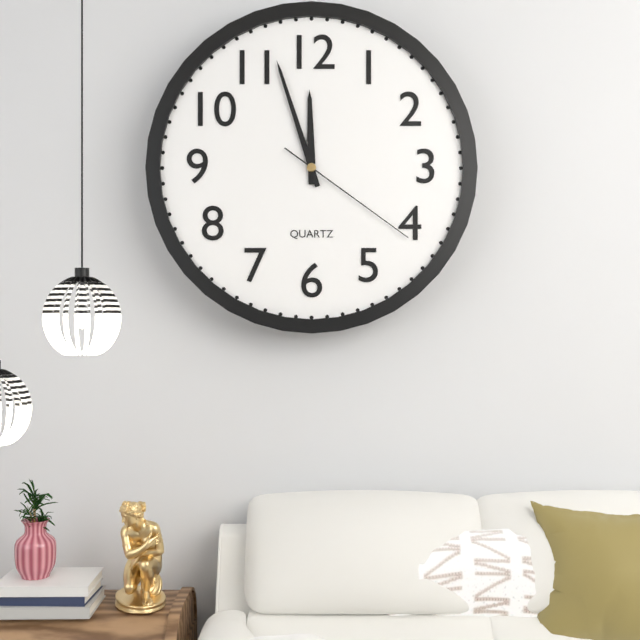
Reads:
11,57,21
